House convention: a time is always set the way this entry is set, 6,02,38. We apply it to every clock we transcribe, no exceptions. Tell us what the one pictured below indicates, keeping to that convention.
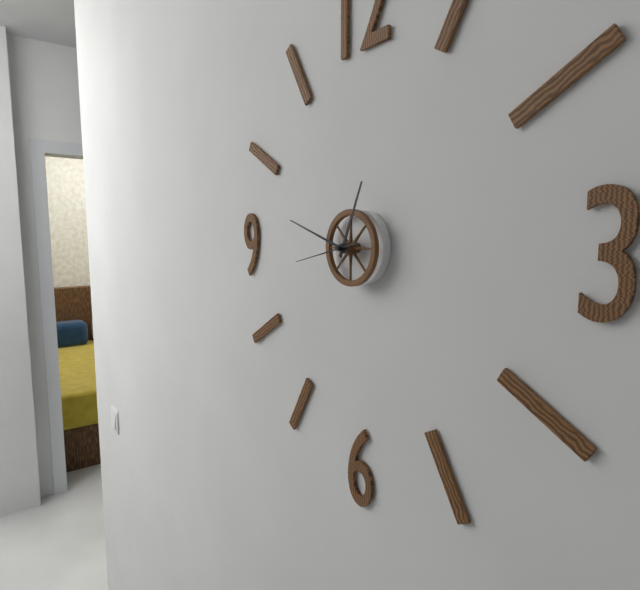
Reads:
12,48,43
